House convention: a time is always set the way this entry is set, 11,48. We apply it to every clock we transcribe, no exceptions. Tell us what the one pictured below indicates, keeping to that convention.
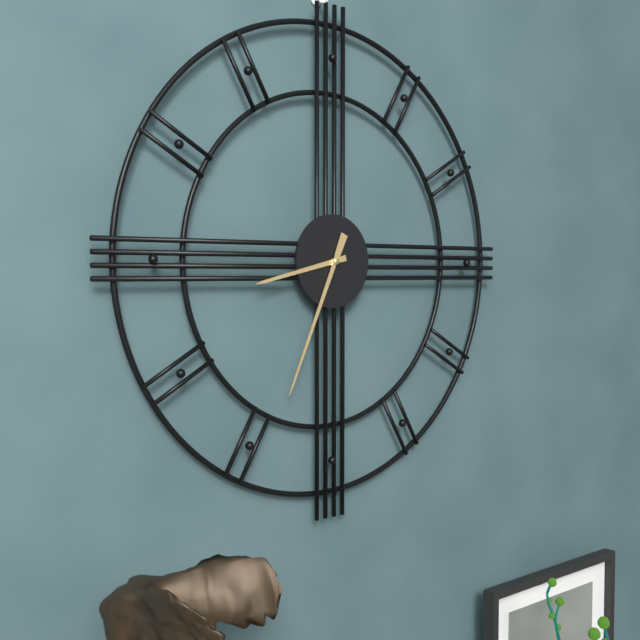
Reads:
8,34
